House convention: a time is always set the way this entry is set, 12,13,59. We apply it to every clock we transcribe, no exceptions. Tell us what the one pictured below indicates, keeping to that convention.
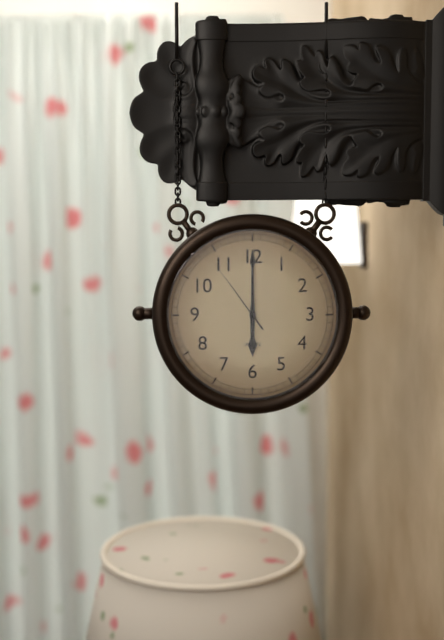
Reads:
6,00,54
